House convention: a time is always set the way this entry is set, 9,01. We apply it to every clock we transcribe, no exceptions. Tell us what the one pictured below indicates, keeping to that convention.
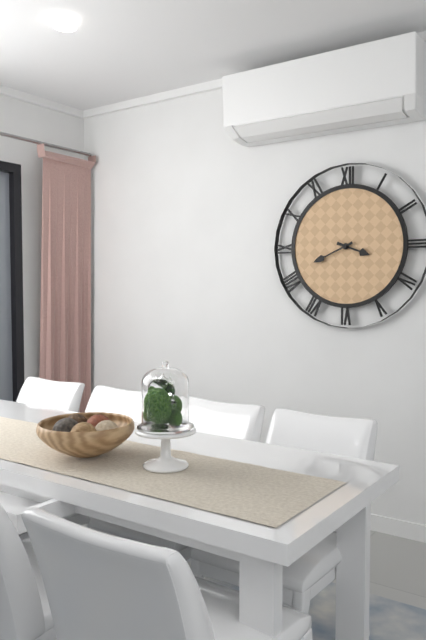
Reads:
3,41
